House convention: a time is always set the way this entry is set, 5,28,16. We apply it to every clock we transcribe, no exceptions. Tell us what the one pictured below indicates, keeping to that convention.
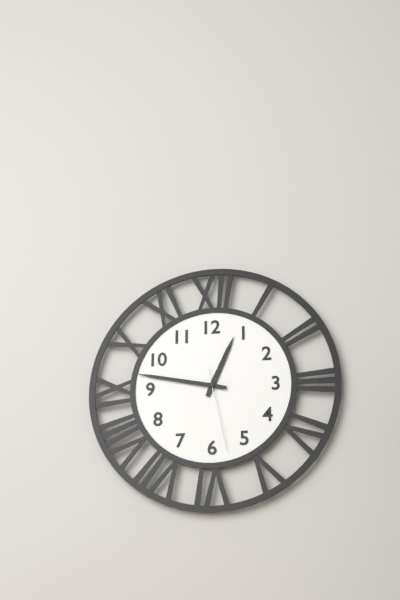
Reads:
12,47,28
